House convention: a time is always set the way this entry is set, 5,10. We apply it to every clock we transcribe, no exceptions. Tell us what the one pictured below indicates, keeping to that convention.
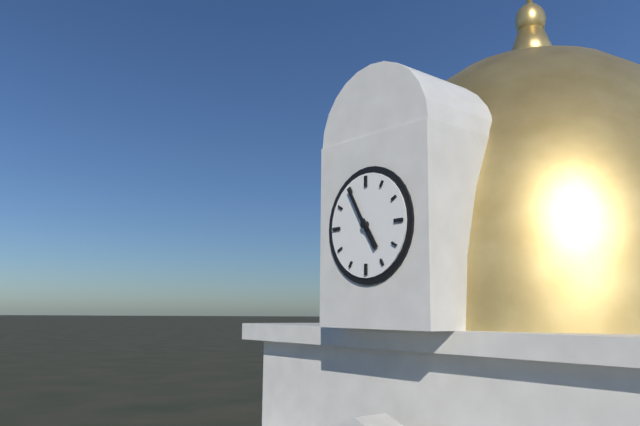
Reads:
4,55
